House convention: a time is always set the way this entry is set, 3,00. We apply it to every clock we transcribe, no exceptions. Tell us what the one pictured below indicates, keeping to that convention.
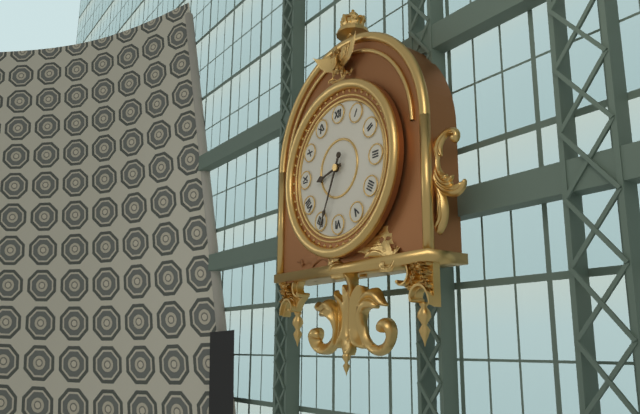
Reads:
8,34
